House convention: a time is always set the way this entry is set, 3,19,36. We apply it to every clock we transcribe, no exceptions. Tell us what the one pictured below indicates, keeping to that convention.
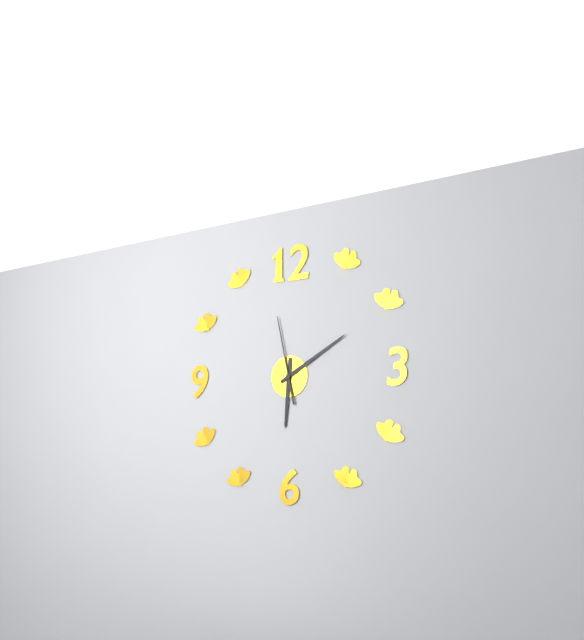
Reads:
6,10,58
